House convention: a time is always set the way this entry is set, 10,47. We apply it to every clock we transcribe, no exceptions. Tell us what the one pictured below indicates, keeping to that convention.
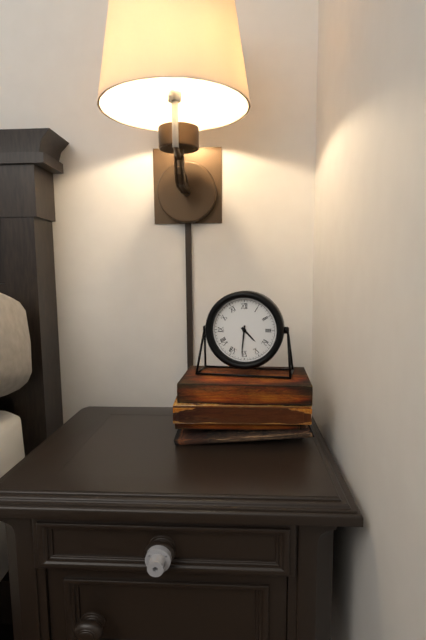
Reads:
4,31
